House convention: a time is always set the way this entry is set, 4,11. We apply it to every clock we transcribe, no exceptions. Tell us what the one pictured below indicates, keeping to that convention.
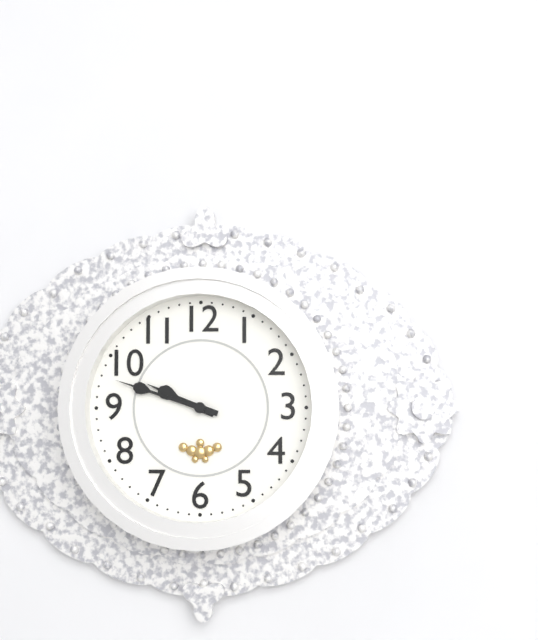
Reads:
9,48
